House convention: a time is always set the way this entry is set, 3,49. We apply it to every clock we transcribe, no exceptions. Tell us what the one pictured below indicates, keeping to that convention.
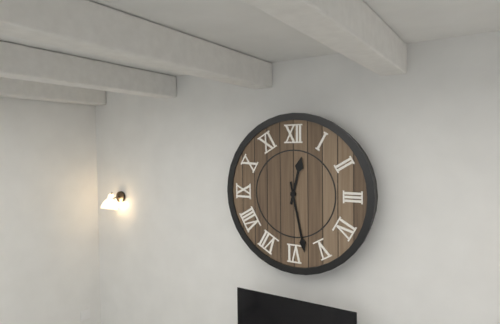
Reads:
12,28
